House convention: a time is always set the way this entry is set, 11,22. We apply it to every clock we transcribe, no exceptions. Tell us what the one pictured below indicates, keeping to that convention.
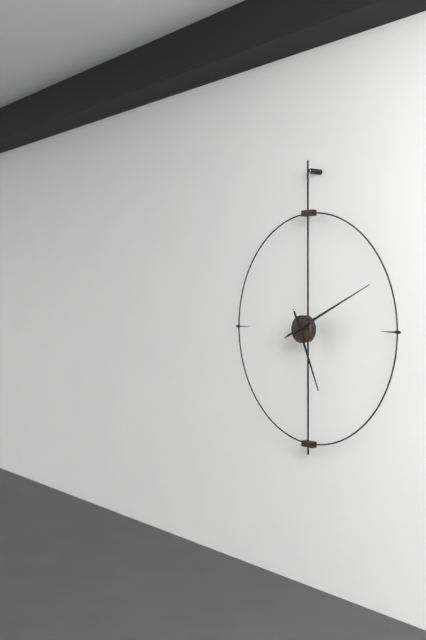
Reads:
5,11
